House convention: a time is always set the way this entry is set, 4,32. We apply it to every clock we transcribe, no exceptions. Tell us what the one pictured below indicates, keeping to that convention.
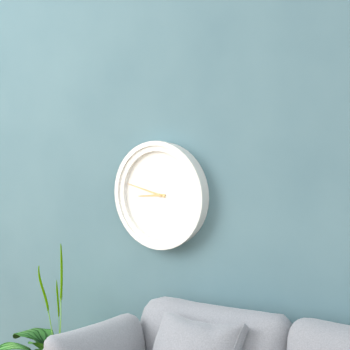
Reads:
8,47
